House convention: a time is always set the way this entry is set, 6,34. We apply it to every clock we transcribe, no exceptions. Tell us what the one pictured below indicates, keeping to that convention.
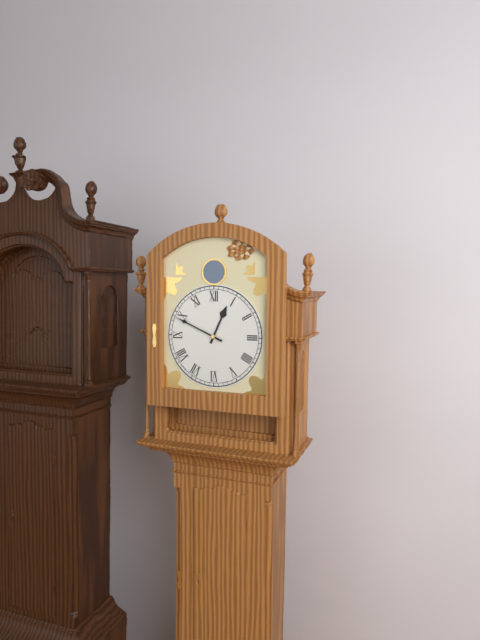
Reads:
12,49
